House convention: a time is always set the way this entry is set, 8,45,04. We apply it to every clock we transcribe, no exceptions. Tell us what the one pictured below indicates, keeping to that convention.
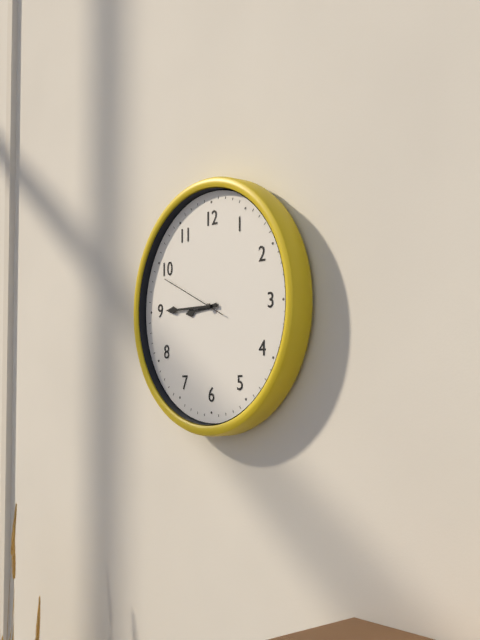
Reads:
8,45,49
